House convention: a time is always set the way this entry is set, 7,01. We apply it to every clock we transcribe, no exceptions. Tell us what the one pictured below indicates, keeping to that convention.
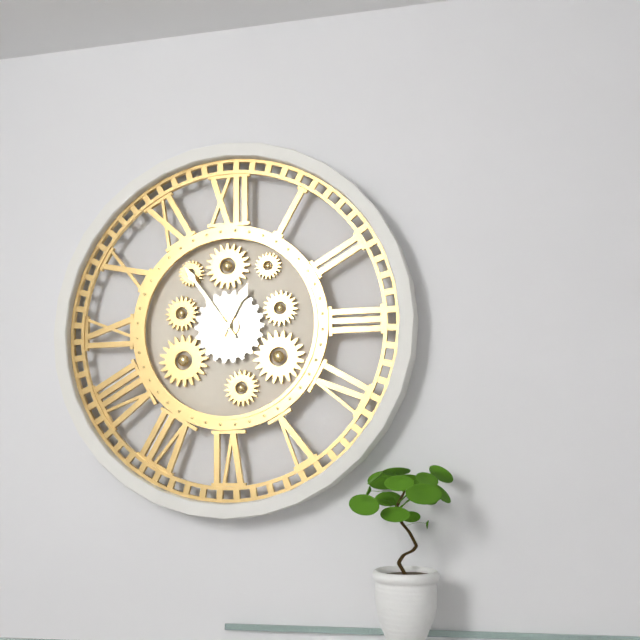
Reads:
12,54
